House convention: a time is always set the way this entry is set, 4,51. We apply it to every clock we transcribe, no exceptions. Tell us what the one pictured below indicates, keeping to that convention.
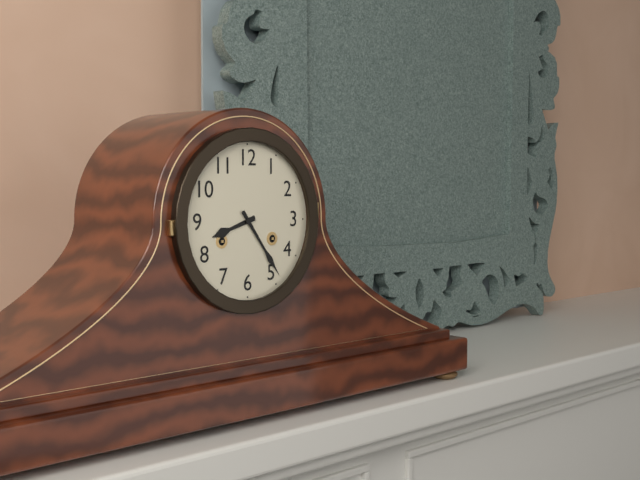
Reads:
8,24
